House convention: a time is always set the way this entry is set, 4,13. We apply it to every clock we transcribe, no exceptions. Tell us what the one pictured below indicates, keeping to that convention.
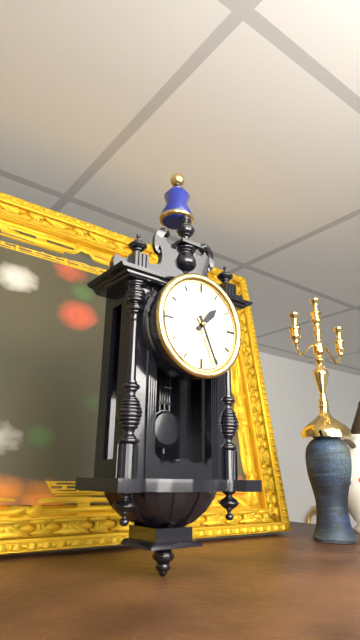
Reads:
1,26
